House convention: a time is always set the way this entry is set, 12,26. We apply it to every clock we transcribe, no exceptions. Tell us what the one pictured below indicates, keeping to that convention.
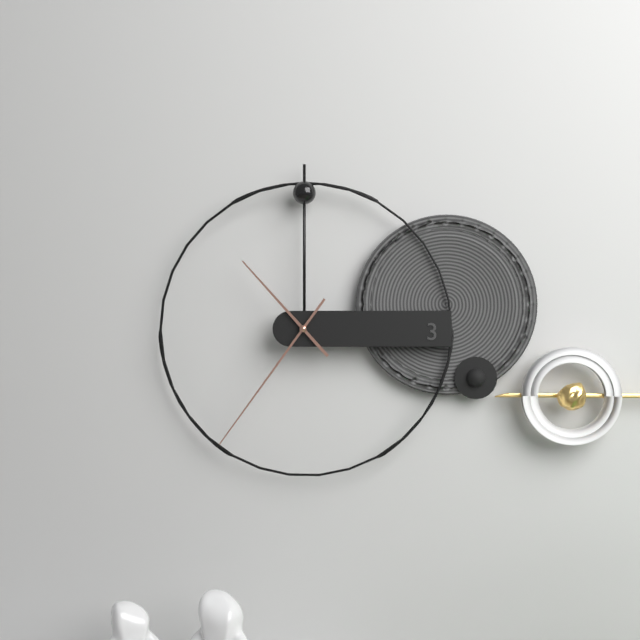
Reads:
10,36
